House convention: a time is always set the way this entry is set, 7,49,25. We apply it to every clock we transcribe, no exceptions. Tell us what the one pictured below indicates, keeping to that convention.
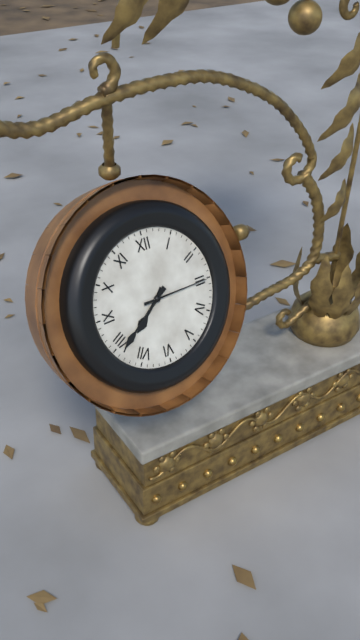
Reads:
7,39,15
